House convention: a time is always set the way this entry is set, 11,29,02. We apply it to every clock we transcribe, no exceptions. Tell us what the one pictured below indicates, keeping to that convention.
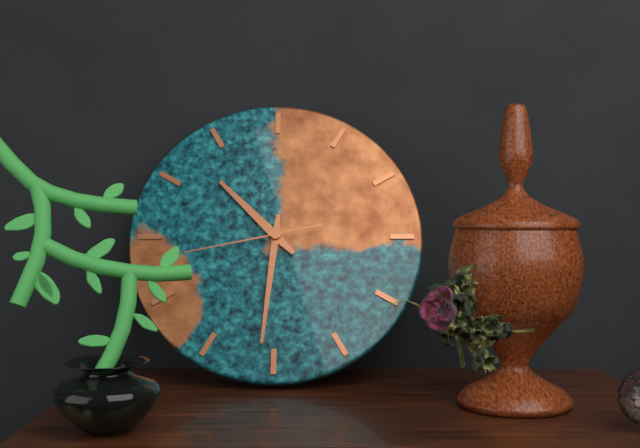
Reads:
10,31,43
